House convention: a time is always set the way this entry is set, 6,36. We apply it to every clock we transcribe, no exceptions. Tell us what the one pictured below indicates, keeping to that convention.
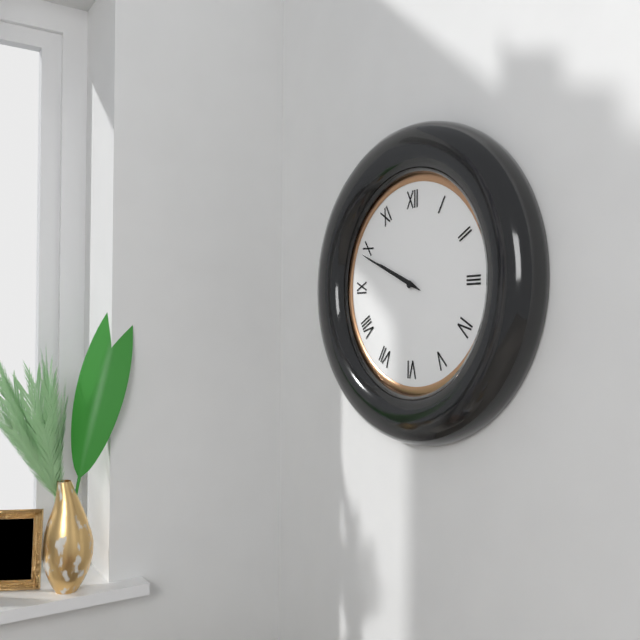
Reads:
9,49
